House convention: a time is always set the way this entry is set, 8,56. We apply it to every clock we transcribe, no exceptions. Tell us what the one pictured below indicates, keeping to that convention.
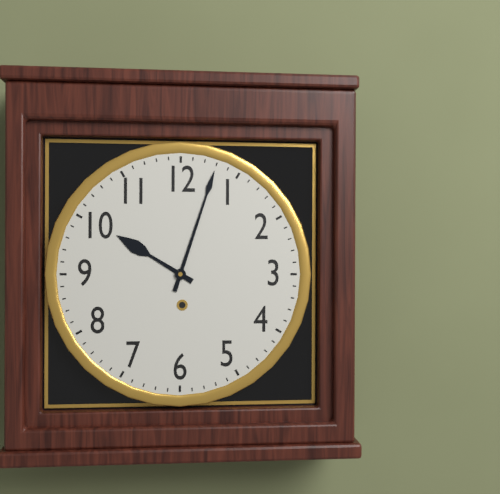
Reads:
10,03
